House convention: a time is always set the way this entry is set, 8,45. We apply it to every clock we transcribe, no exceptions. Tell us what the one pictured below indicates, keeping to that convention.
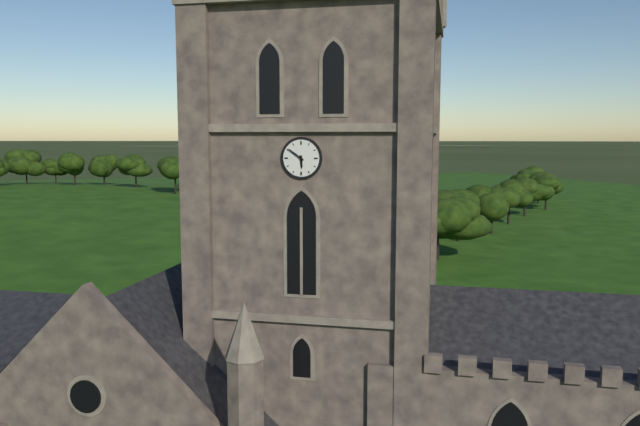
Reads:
5,51
